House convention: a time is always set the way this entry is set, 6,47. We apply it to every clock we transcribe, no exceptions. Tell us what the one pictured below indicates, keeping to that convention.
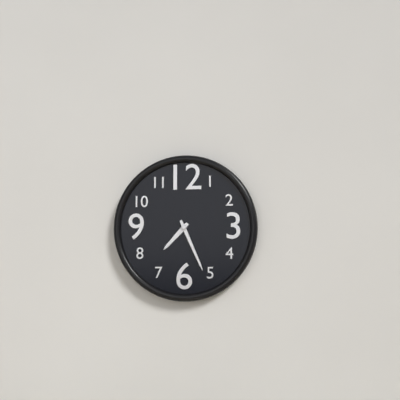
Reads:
7,26
